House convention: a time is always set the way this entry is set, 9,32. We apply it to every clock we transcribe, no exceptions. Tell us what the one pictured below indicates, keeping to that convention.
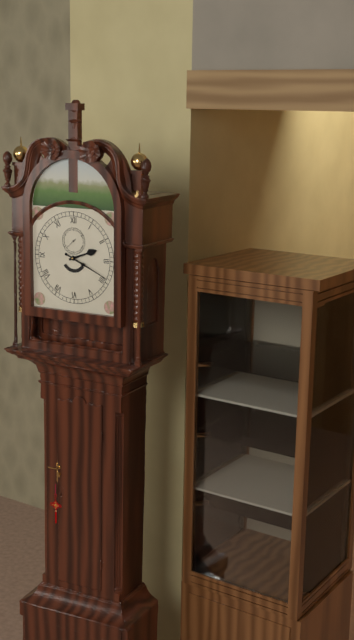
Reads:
2,19
